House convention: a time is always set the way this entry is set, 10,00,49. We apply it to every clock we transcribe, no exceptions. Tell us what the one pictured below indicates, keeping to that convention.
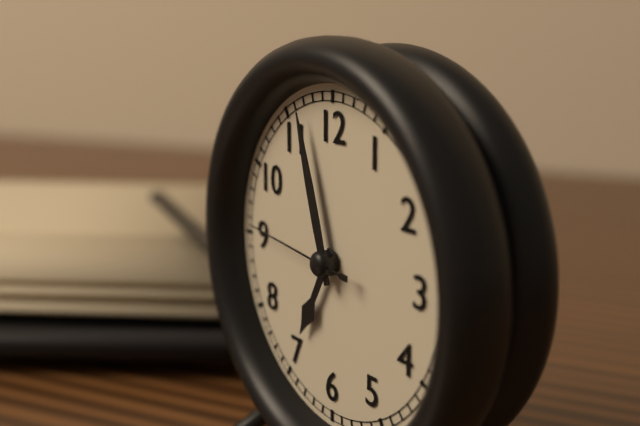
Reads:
6,57,46
